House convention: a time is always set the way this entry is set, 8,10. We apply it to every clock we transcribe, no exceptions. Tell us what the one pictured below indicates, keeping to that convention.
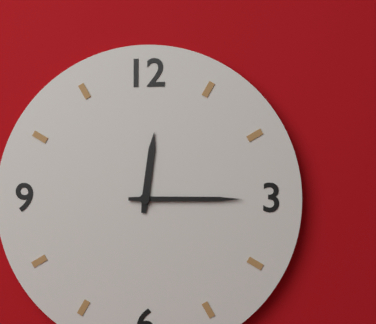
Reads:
12,15
